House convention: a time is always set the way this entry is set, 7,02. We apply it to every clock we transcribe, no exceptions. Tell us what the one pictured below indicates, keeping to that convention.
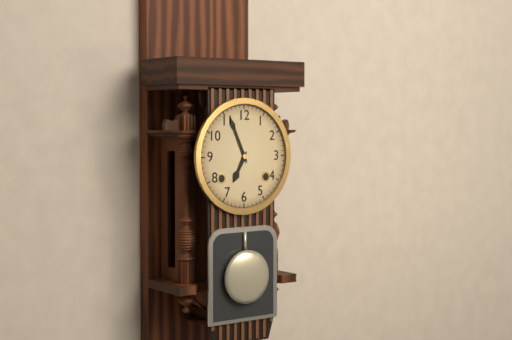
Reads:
6,56
